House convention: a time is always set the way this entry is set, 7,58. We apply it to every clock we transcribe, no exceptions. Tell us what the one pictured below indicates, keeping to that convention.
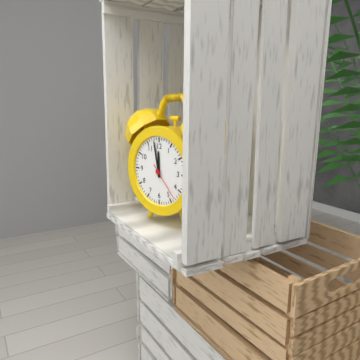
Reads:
11,58
